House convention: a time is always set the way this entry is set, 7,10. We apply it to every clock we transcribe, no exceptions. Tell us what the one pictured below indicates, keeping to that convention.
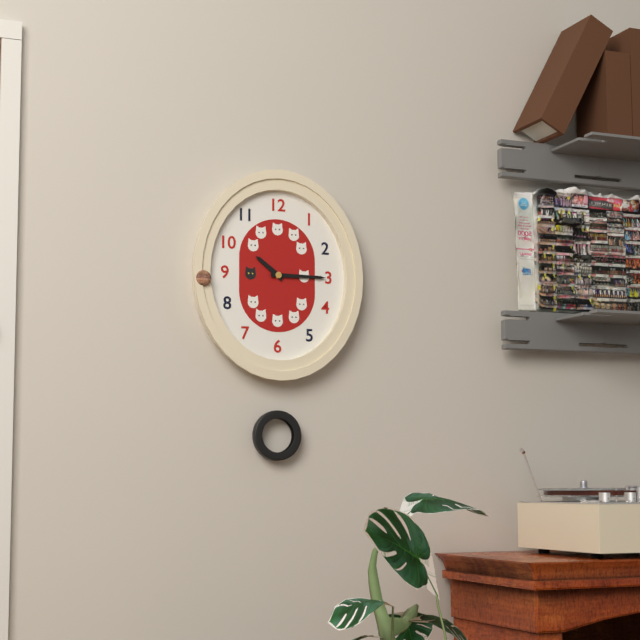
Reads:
10,15
